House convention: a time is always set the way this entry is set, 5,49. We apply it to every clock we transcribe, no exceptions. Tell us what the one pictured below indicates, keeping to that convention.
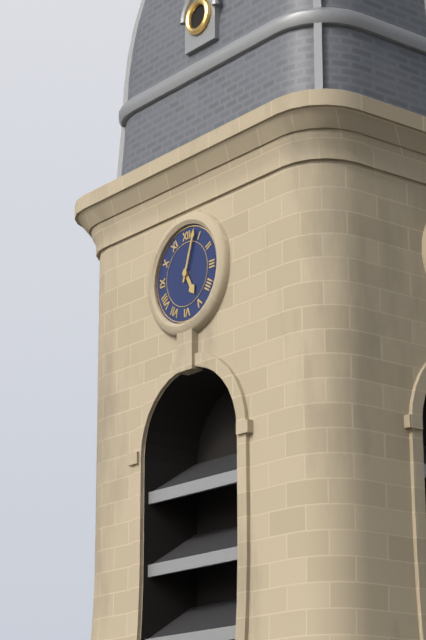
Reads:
5,03
